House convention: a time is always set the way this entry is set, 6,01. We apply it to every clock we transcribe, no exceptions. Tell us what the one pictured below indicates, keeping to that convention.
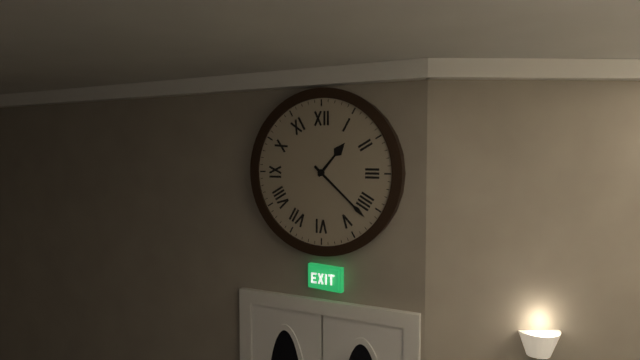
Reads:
1,22
